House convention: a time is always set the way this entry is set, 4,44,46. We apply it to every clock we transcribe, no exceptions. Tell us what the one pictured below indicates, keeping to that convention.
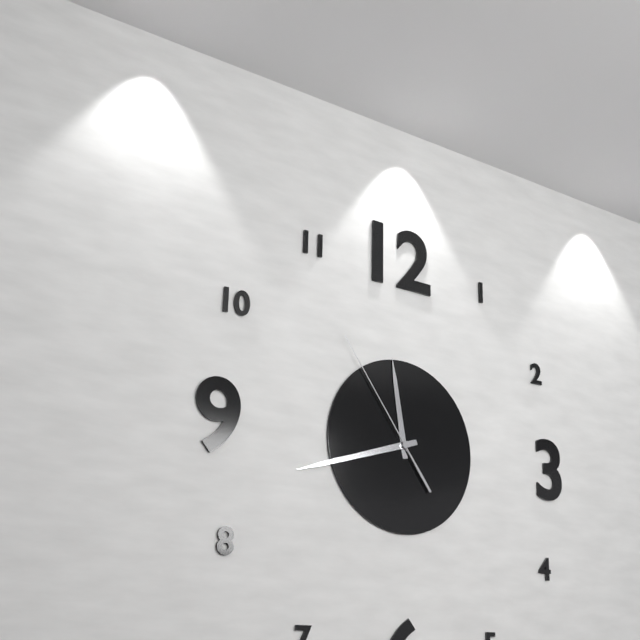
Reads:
11,42,54
